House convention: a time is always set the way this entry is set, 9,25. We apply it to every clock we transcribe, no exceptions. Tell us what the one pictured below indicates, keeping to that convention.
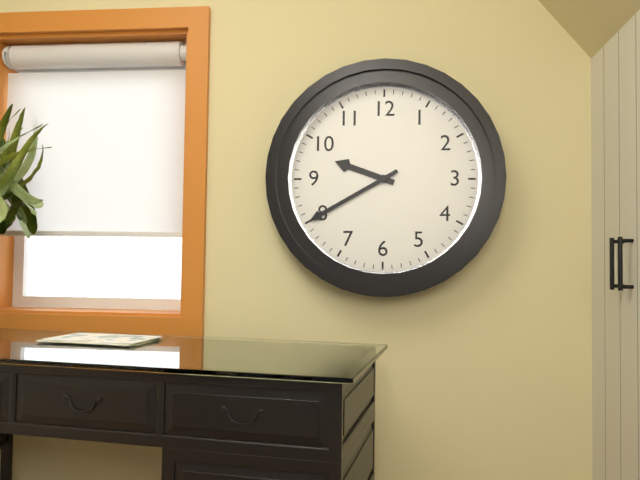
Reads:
9,40
